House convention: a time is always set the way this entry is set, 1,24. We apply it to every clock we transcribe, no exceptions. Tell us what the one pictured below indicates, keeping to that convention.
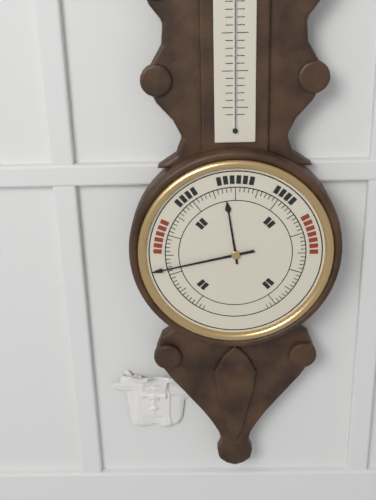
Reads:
11,43
